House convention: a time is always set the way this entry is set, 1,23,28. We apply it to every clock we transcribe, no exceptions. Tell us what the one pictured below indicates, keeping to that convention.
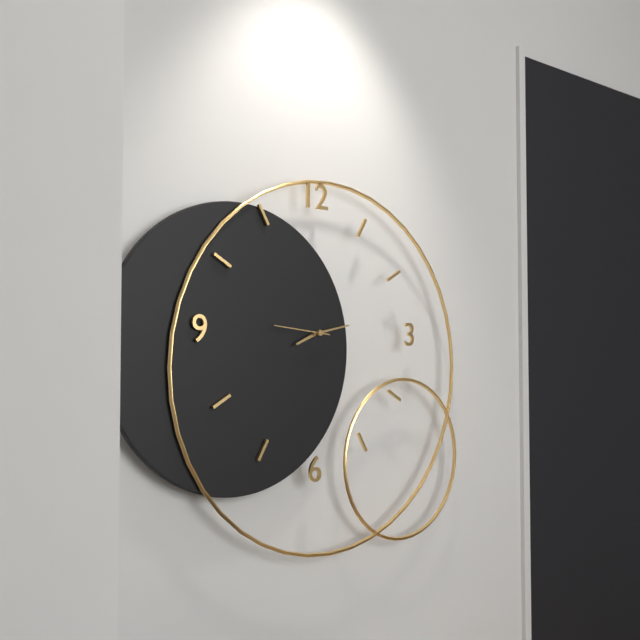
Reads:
8,13,46
